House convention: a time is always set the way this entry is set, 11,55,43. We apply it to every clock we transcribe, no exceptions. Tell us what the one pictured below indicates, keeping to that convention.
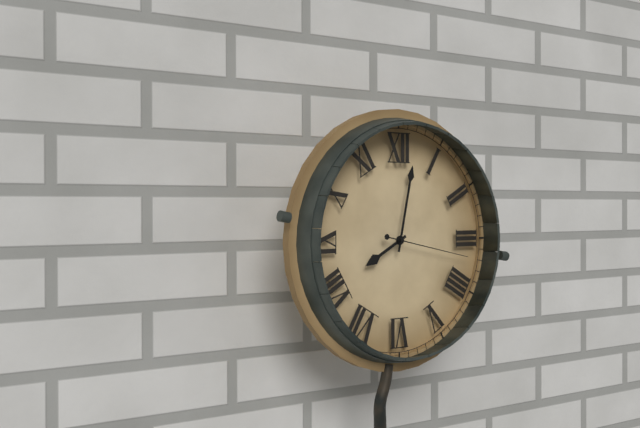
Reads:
8,02,17
